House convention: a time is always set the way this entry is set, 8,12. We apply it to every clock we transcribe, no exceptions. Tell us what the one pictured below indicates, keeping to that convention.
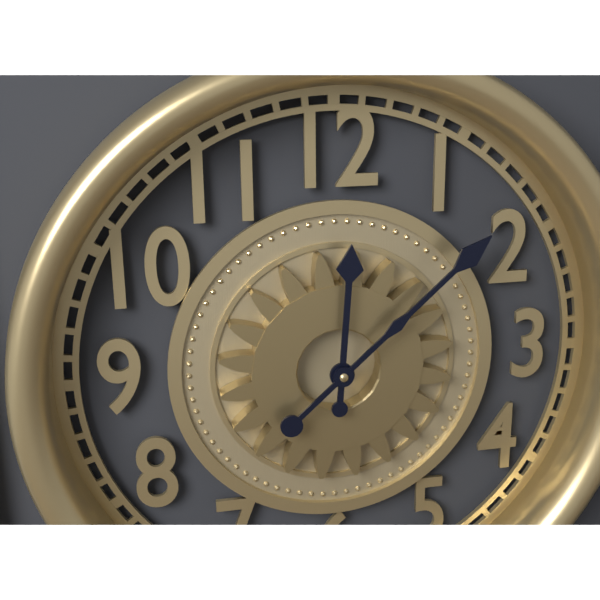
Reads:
12,08
